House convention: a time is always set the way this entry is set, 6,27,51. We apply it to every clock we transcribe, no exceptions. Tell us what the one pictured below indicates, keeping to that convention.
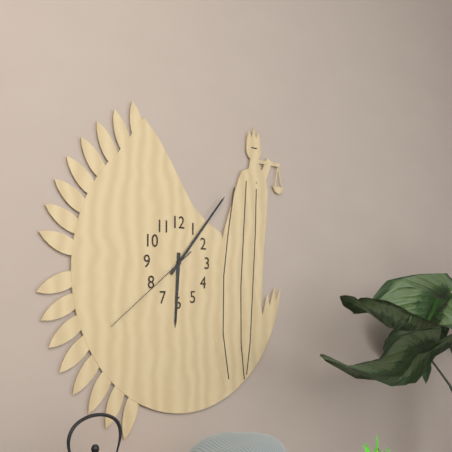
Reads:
6,07,39
